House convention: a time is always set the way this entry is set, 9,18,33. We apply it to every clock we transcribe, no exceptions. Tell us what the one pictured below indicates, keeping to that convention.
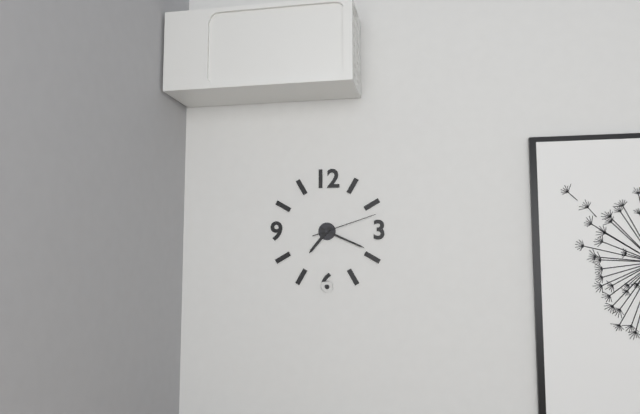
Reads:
7,19,12
